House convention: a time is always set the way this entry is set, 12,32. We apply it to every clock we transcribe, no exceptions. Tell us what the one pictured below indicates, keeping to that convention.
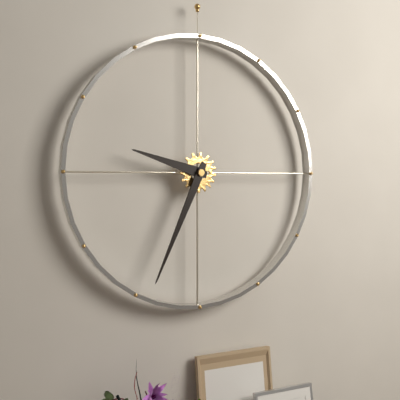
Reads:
9,34
